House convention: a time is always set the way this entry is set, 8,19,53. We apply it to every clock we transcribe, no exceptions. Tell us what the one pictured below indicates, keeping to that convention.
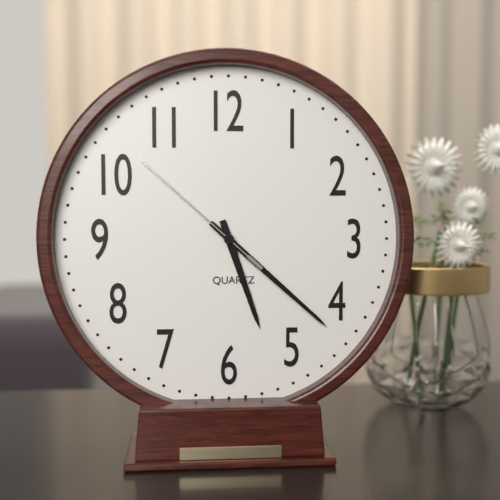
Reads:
5,22,52
